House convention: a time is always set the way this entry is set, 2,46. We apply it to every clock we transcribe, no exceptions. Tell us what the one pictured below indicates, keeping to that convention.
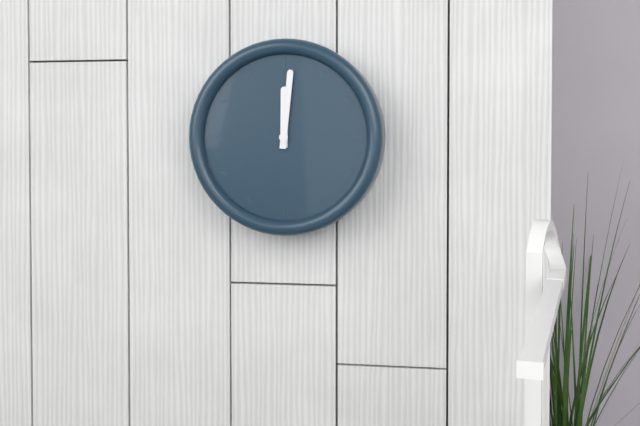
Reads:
12,01
